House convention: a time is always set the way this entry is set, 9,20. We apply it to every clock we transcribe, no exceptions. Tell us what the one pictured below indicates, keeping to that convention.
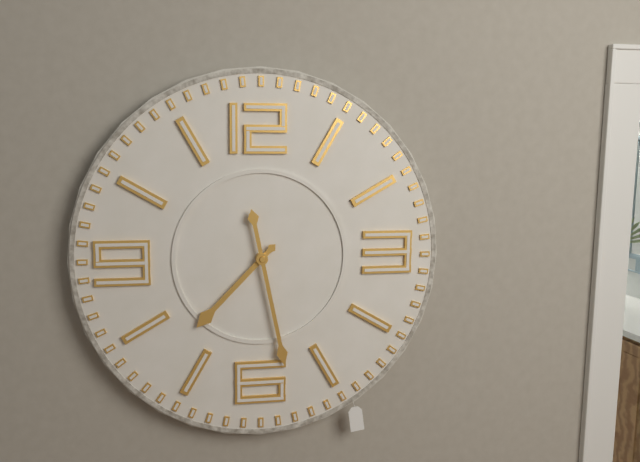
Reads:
7,28
